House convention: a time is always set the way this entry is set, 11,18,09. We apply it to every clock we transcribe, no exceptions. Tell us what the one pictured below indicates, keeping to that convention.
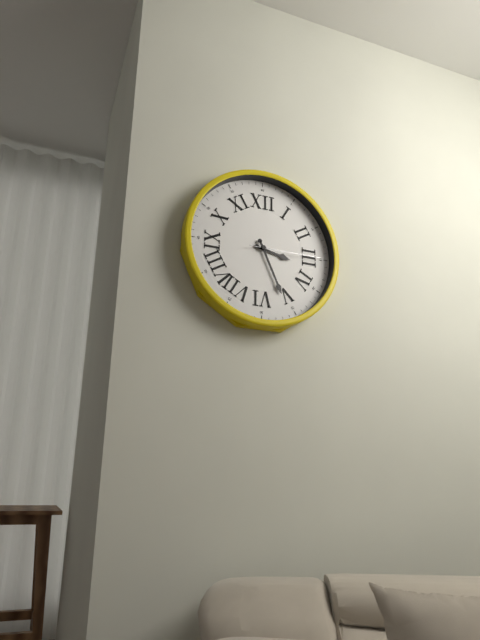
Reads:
3,26,15
